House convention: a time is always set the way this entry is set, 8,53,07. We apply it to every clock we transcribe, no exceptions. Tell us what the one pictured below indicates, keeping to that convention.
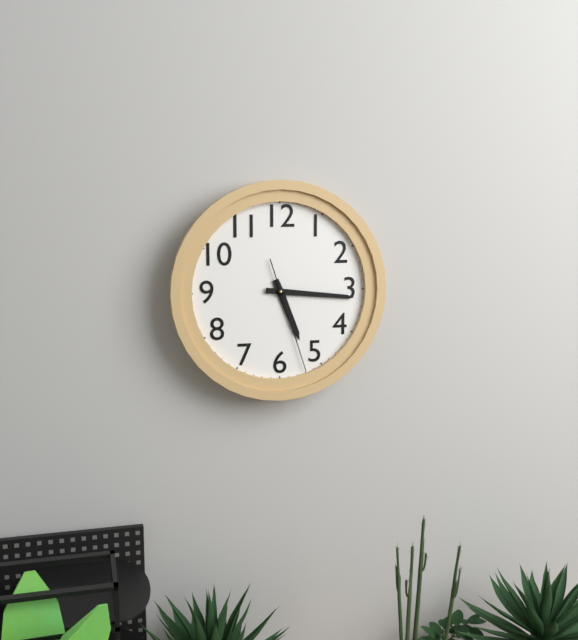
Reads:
5,16,27
